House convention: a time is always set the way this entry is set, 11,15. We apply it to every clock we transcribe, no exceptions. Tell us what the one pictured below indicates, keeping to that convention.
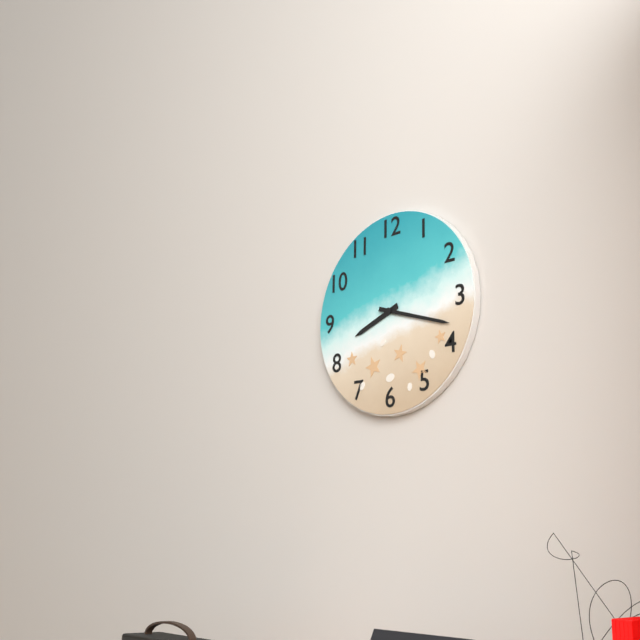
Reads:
8,18
